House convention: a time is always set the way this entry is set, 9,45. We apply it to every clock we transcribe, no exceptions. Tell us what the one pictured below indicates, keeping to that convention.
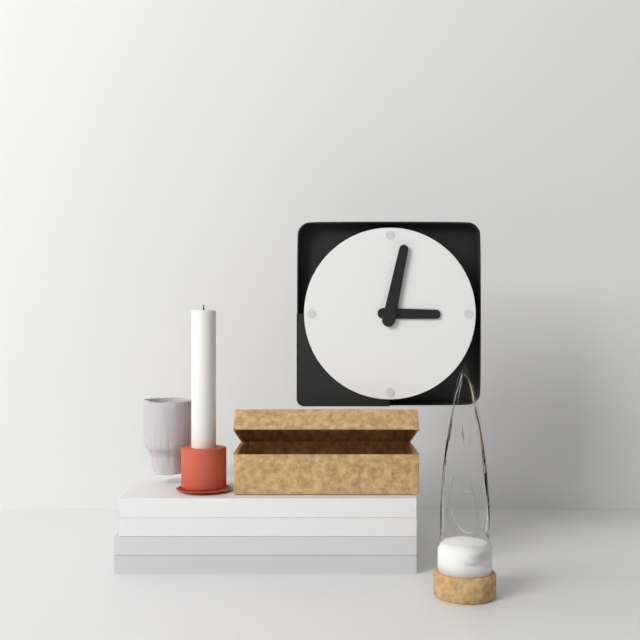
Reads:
3,02
